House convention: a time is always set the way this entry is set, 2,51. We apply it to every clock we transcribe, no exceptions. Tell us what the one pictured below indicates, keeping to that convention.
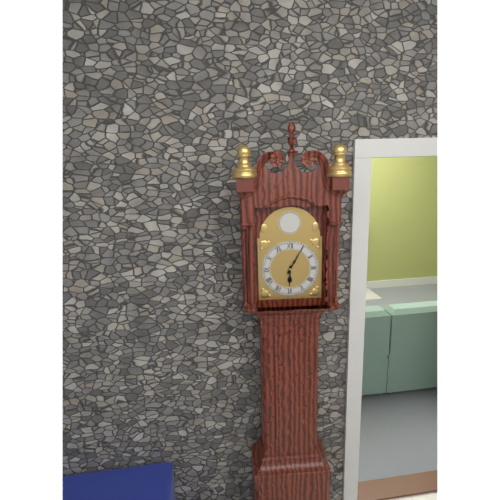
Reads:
6,05
